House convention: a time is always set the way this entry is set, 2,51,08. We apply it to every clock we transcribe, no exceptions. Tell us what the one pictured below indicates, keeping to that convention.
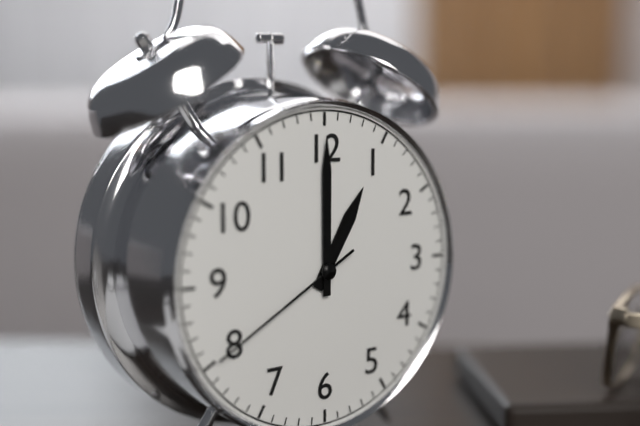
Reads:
1,00,40
